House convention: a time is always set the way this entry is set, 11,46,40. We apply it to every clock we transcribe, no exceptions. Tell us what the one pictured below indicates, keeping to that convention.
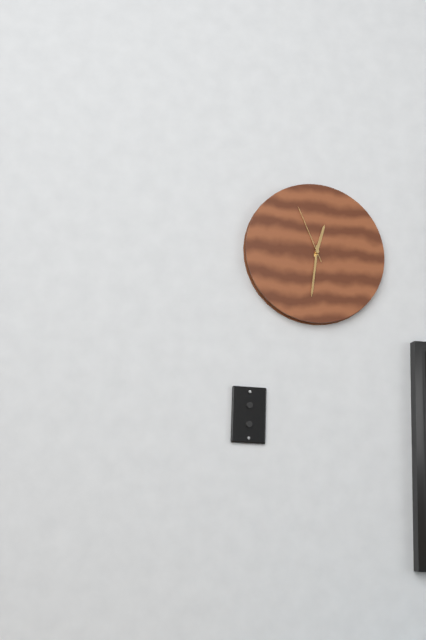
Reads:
12,31,56
